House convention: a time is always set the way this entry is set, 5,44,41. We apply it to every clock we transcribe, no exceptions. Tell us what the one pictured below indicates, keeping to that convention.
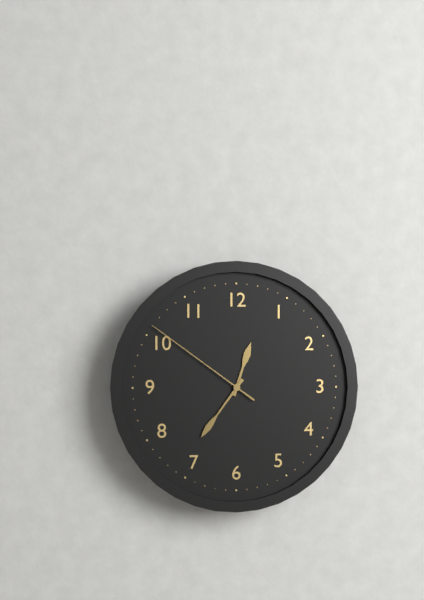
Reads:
12,36,51
